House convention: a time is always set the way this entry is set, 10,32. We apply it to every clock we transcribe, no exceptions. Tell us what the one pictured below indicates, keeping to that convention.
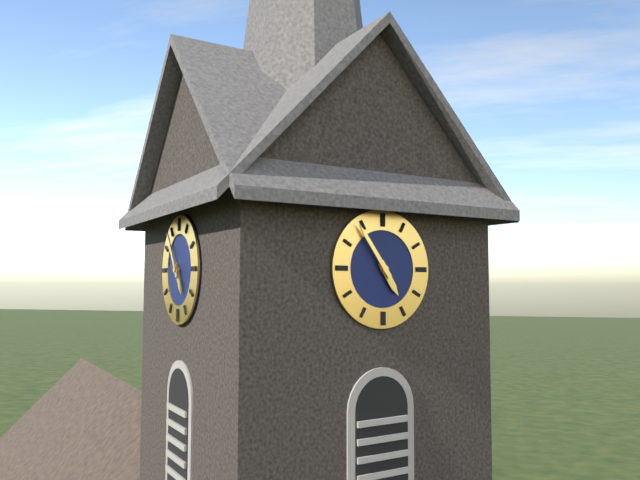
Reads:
4,54
